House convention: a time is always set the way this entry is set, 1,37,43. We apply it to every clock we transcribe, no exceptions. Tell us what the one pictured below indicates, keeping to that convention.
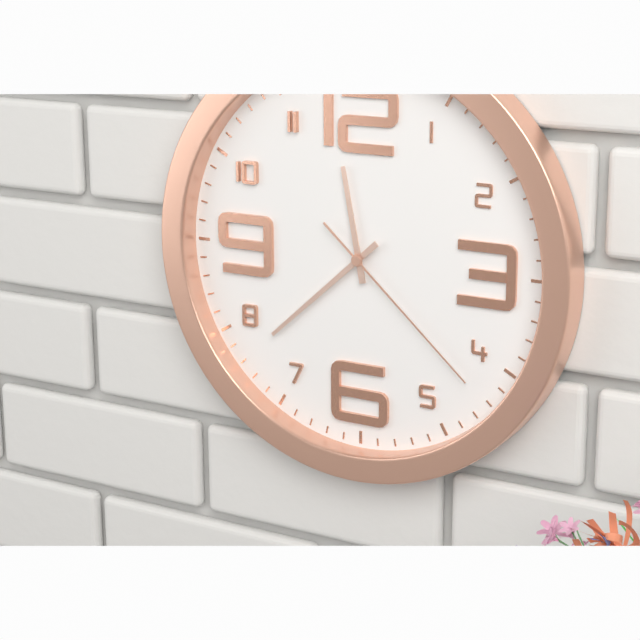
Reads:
11,38,22
